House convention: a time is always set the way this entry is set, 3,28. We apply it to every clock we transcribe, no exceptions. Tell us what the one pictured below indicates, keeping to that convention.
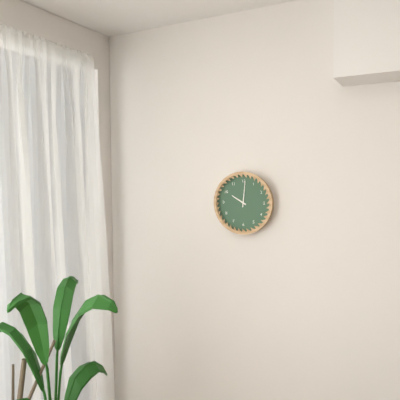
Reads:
10,01
